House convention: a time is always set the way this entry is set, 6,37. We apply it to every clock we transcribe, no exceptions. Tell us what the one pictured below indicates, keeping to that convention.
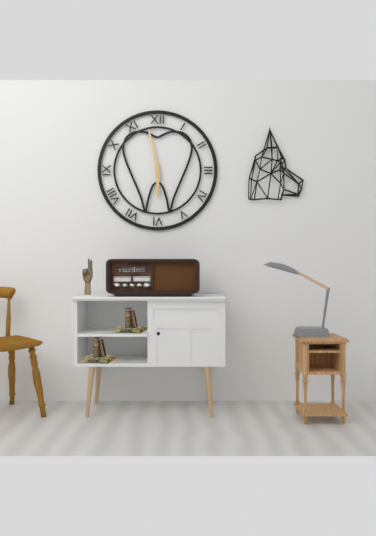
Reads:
5,58
